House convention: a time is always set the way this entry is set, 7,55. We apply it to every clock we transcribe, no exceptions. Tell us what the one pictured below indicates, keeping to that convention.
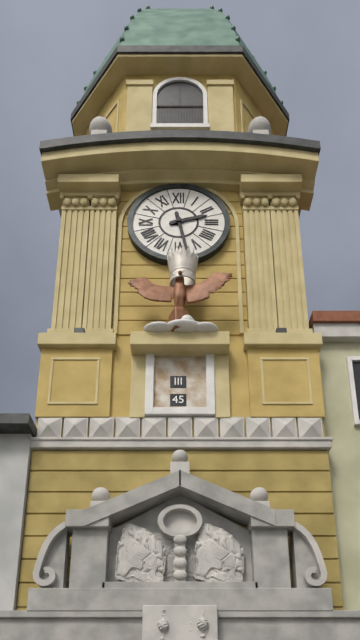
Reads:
2,28
